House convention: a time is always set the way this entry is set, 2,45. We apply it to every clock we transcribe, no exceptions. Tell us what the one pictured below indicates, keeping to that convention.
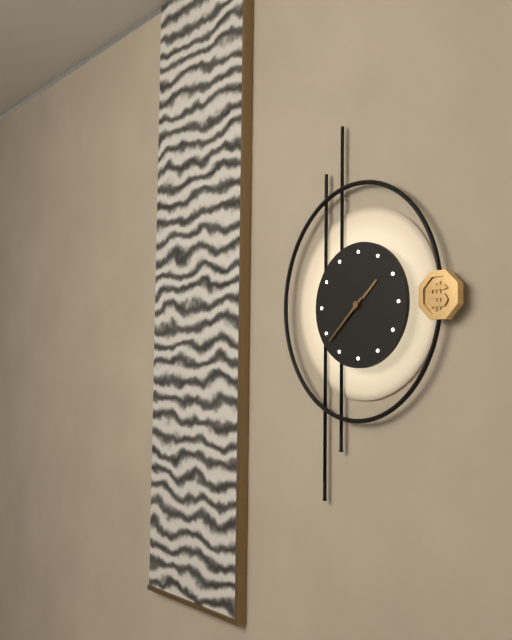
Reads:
1,38
